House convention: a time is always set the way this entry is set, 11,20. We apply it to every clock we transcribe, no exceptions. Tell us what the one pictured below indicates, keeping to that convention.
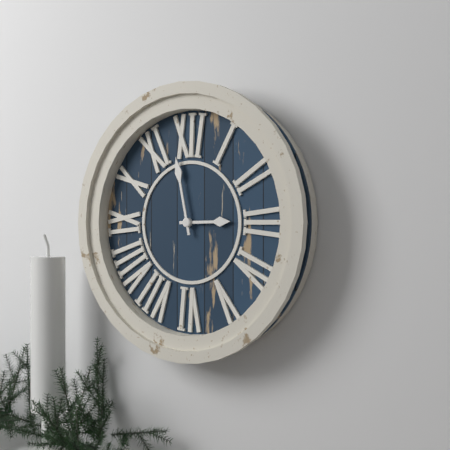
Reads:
2,58
